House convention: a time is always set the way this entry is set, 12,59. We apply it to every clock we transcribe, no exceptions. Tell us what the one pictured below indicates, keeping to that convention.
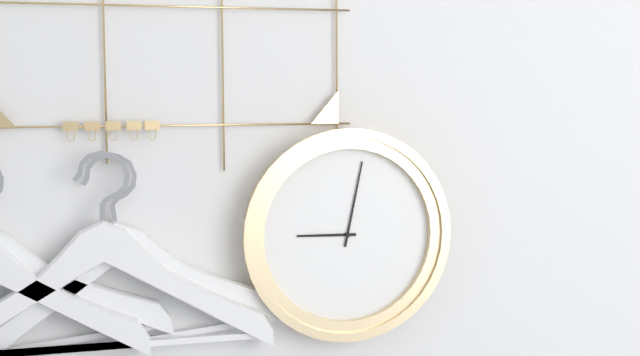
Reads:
9,02
